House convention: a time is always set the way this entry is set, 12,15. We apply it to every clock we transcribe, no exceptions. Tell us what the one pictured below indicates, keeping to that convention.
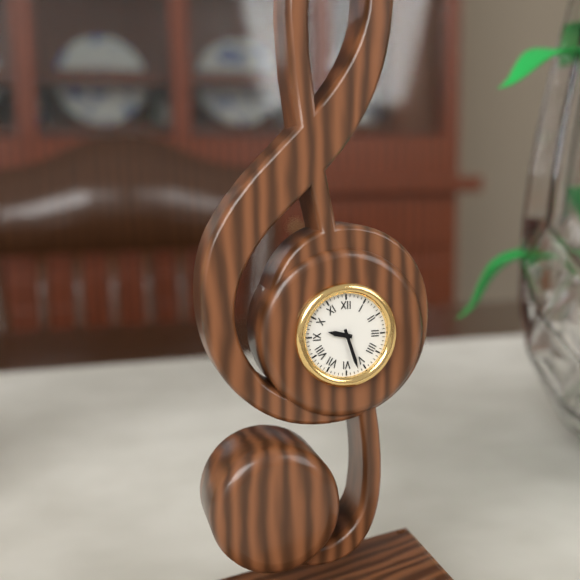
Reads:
9,27
